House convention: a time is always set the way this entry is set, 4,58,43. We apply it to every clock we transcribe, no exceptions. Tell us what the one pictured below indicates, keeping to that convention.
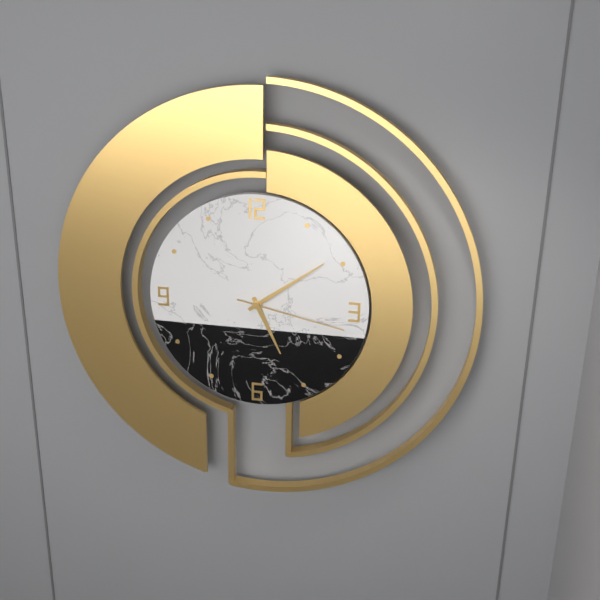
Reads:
5,09,17
